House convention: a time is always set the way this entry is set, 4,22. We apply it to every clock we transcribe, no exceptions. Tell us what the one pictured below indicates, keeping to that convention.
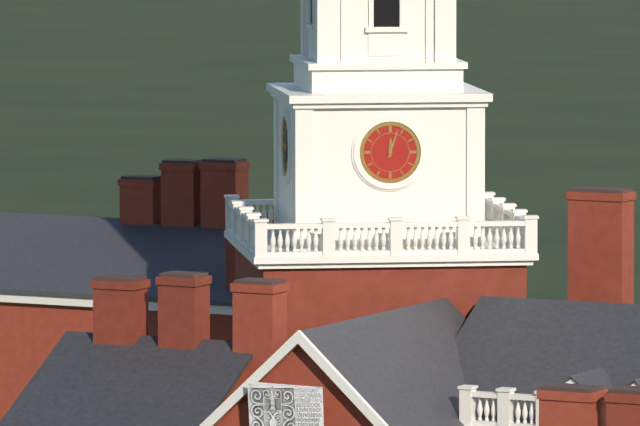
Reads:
12,03
